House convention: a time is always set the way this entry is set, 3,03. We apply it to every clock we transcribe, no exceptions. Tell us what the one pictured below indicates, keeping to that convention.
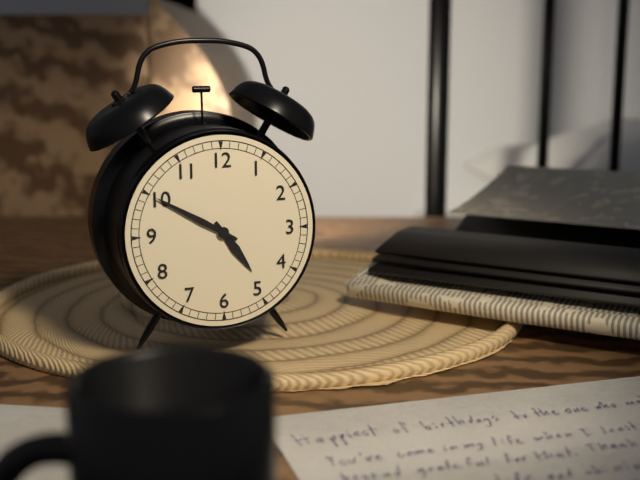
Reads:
4,50
